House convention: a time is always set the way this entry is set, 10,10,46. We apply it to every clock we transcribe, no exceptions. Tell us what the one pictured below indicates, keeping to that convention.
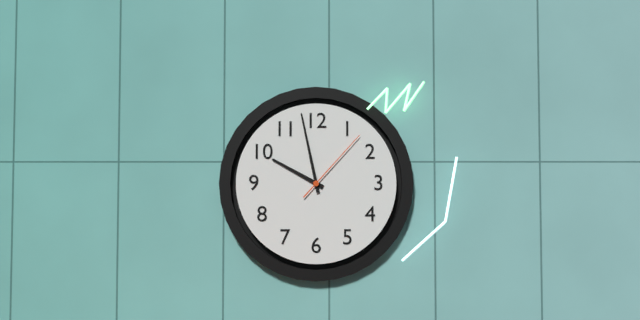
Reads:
9,58,07
